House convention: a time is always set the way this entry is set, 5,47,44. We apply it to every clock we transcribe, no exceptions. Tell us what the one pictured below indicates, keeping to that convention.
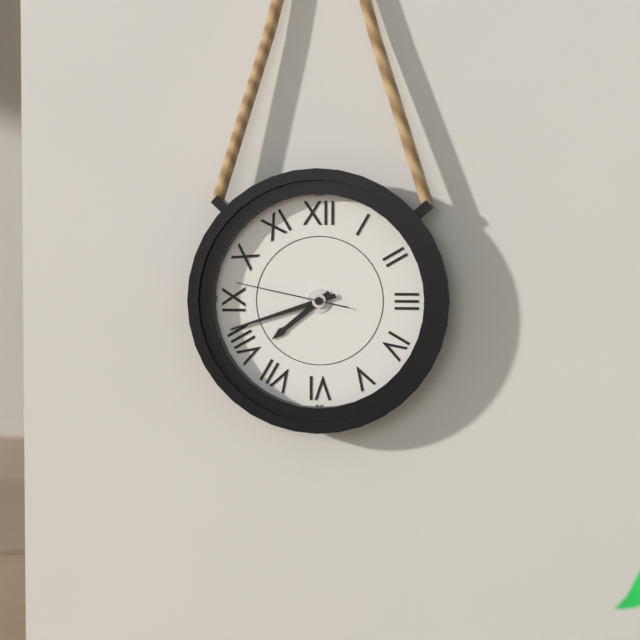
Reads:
7,42,47
